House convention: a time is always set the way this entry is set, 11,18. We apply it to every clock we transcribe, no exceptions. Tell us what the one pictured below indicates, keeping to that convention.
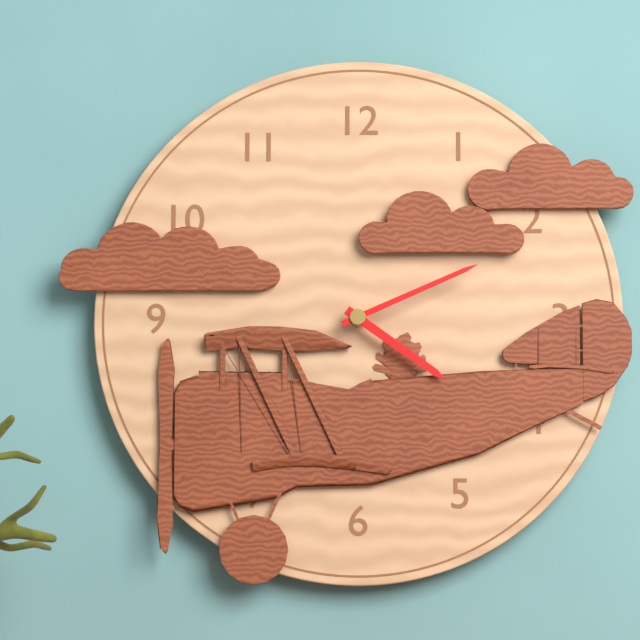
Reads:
4,11
